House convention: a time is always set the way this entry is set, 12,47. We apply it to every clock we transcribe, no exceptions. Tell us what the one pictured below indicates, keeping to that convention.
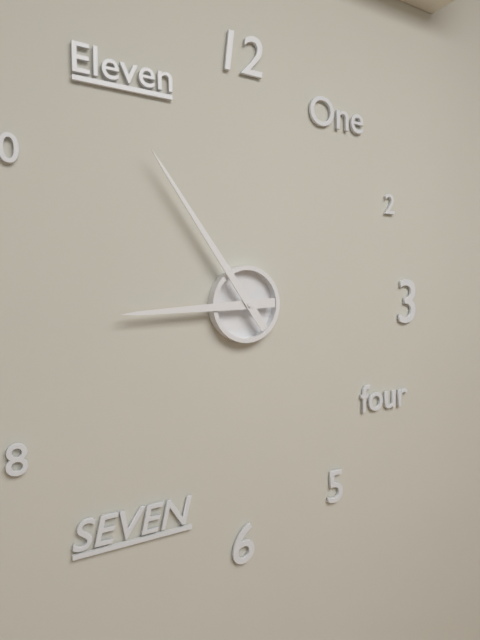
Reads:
8,54
